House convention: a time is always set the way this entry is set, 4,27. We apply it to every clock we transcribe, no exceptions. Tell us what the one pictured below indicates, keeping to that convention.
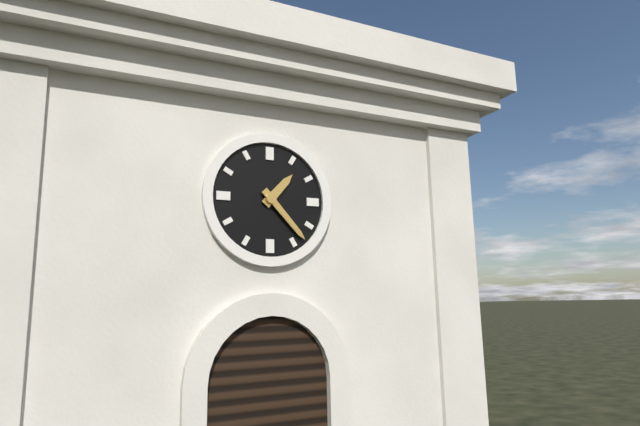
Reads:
1,23
